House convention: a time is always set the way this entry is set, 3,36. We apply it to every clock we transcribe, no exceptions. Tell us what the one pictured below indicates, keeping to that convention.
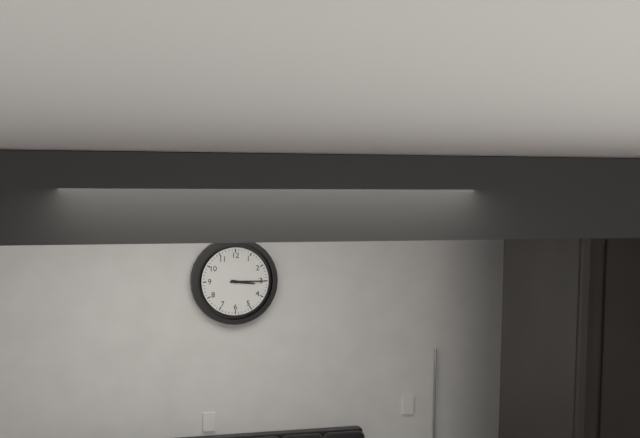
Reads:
3,15
